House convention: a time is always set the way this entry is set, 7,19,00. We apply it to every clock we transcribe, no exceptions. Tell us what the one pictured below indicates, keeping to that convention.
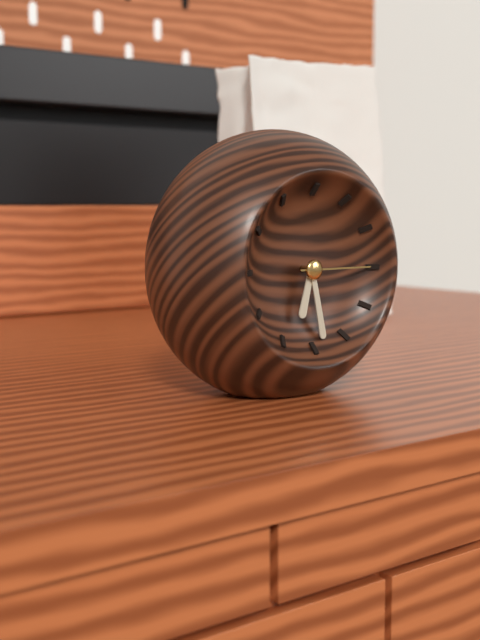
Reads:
6,28,15
